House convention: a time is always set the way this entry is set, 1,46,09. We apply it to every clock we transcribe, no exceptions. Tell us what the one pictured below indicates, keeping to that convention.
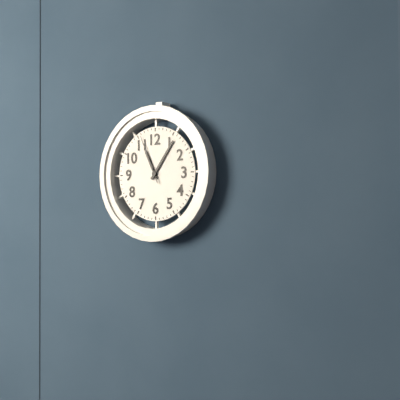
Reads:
11,06,56
